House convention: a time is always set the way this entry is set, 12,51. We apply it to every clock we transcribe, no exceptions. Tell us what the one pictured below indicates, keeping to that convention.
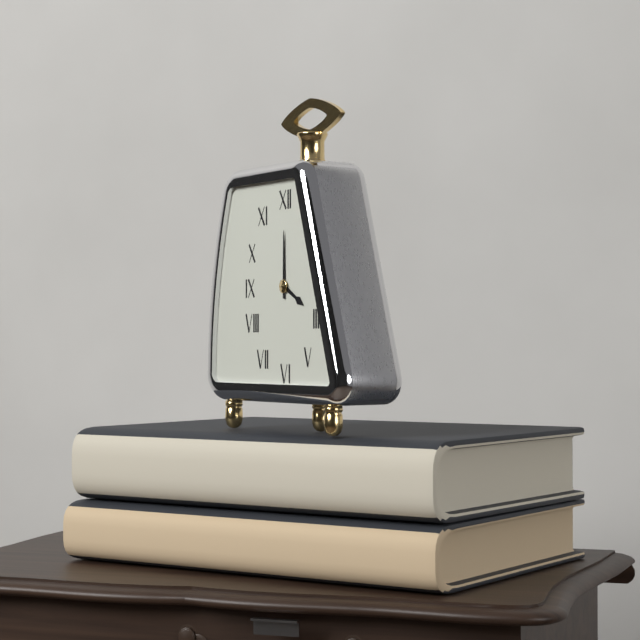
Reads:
4,00
